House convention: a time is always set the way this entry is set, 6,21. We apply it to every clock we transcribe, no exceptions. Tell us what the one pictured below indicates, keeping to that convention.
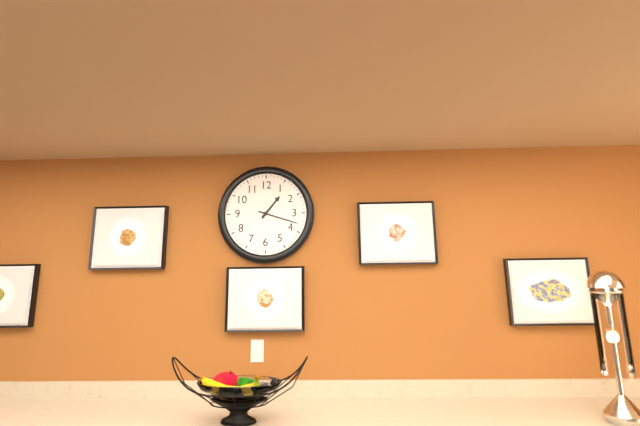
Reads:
1,18
